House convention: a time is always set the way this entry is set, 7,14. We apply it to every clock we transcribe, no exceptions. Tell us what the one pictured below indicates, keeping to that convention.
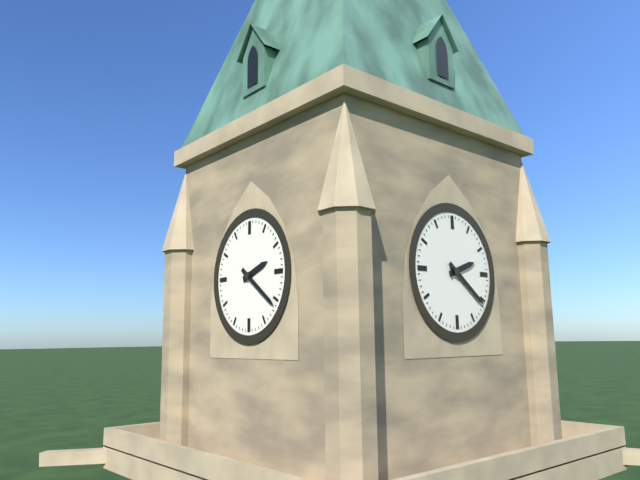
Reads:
2,21
